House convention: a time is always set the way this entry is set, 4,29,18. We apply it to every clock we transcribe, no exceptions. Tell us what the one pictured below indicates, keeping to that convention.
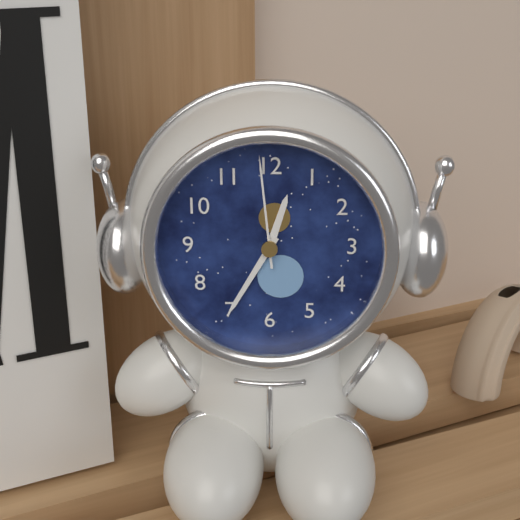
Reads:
12,35,59
